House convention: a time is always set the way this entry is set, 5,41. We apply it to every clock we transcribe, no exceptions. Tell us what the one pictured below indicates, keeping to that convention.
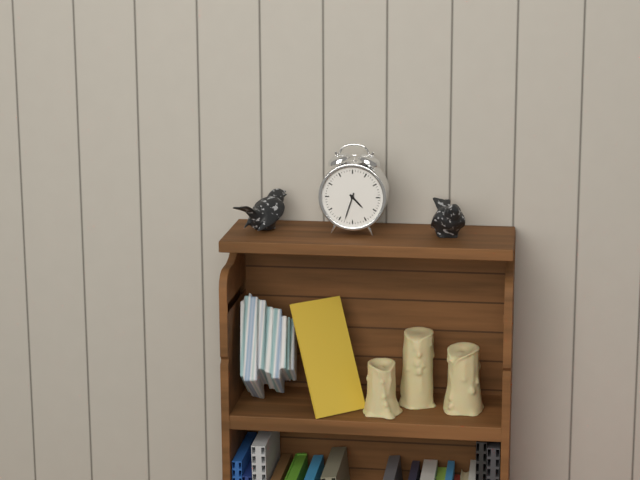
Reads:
4,33
